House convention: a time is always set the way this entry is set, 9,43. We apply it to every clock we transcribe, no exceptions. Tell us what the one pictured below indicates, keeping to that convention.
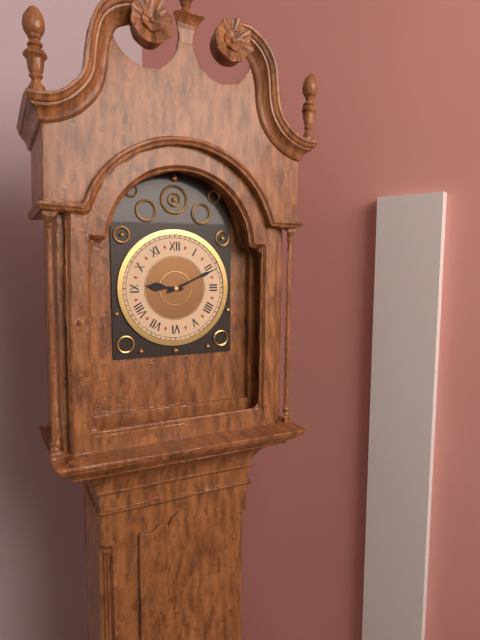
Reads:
9,11
